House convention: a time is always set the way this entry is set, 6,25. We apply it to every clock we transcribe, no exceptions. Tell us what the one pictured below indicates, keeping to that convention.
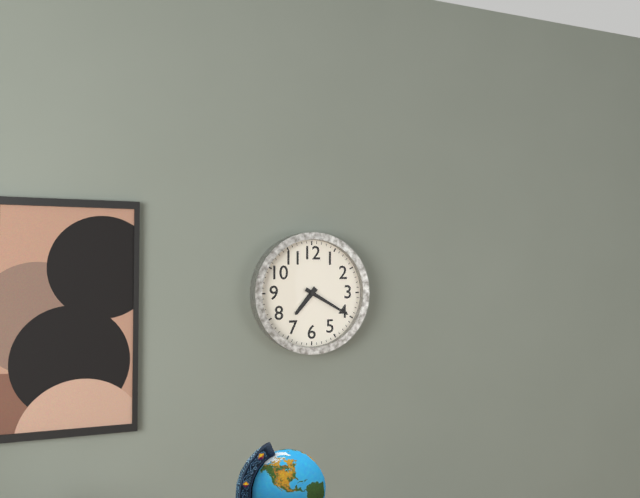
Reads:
7,20
